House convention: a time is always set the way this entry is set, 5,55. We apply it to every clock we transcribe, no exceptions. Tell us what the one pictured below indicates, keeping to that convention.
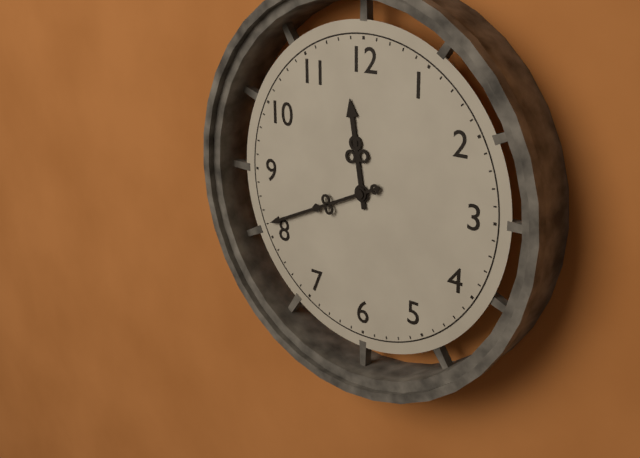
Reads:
11,41
